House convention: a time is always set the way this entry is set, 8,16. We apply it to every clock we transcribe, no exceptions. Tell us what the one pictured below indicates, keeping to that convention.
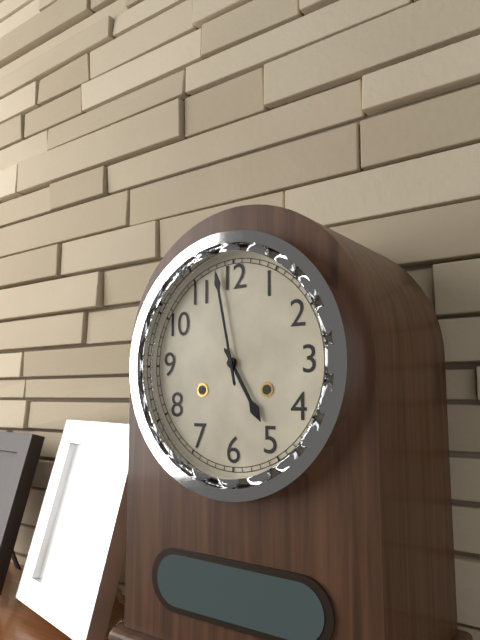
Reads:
4,58
